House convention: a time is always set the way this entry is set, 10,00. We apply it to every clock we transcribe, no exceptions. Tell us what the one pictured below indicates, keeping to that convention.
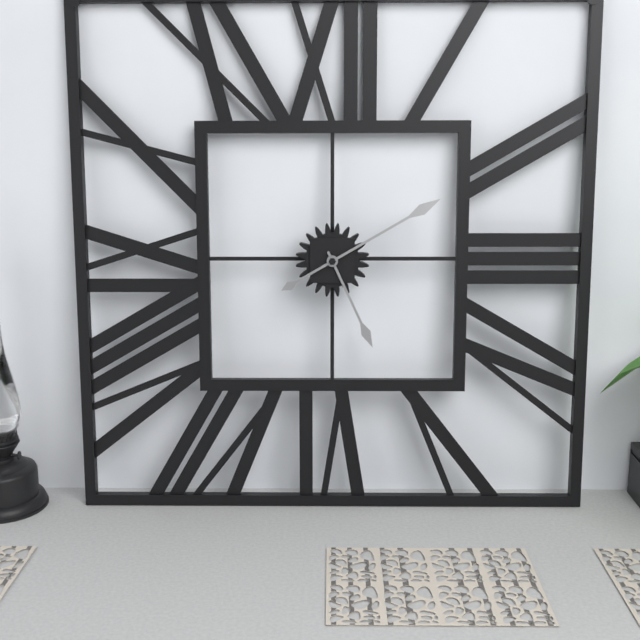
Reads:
5,10
